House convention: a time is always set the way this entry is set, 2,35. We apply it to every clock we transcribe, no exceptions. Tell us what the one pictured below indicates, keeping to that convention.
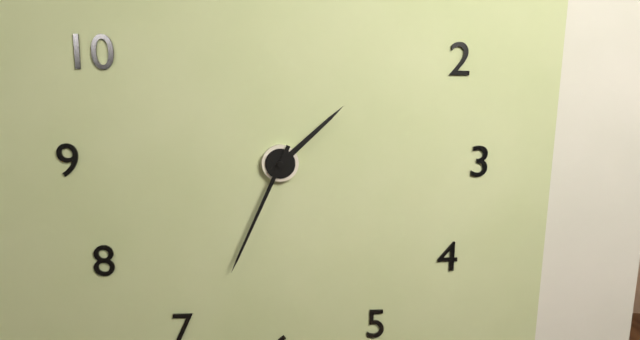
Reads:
1,34
